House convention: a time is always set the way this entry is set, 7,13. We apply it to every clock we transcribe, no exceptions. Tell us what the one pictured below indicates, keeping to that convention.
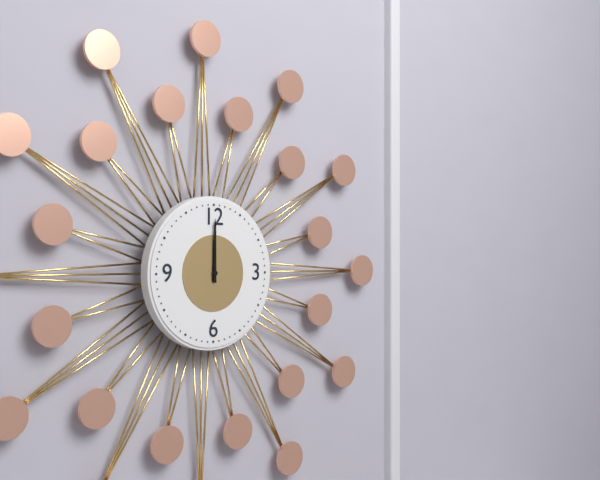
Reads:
12,00
